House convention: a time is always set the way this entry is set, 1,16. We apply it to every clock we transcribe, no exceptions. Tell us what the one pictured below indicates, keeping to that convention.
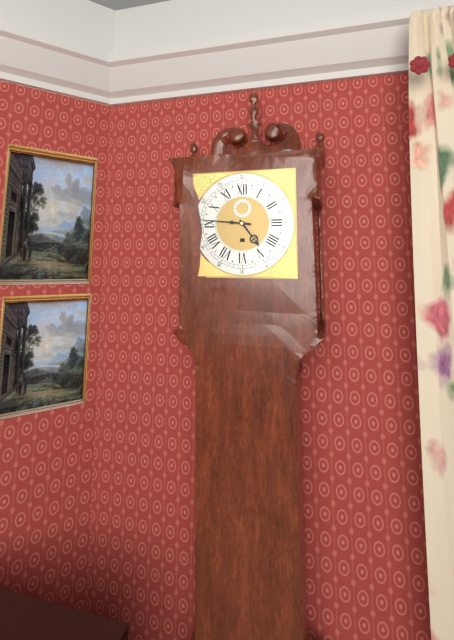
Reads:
4,46
